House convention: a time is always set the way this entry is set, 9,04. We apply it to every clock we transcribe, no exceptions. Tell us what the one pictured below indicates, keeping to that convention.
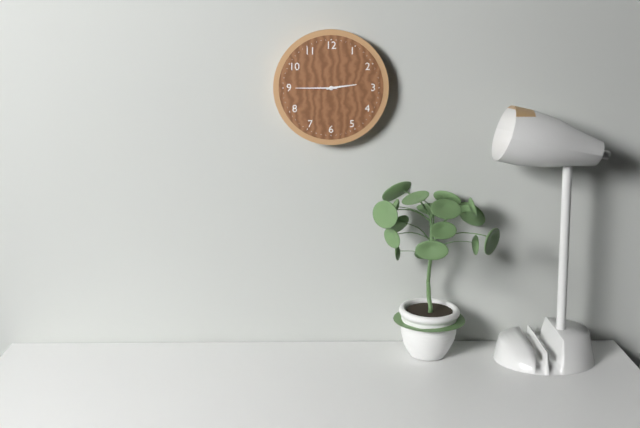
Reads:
2,45
